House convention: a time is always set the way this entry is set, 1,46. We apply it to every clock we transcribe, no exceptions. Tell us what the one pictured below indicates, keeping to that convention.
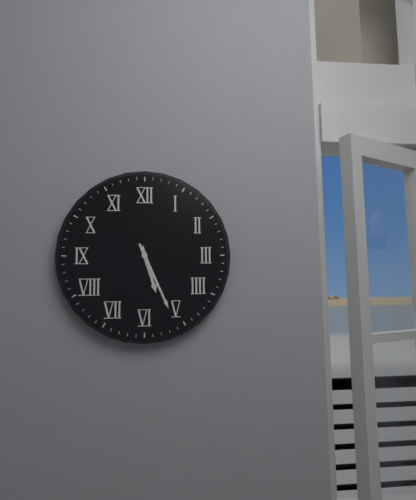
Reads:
5,26
